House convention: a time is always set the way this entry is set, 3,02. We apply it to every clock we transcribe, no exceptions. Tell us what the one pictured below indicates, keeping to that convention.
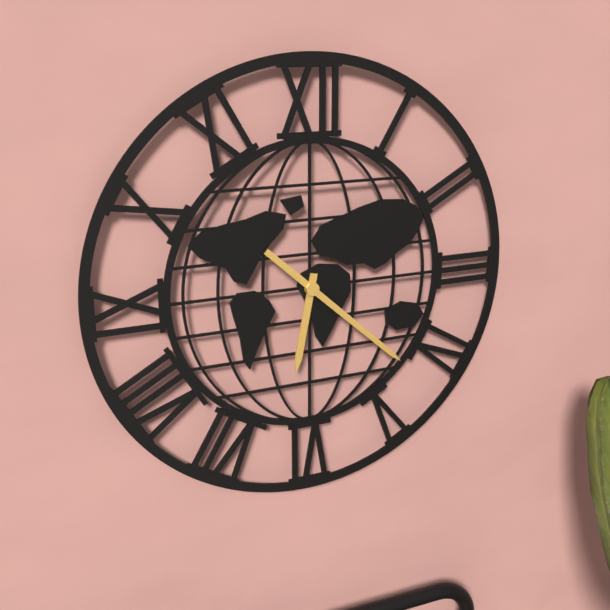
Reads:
6,22
